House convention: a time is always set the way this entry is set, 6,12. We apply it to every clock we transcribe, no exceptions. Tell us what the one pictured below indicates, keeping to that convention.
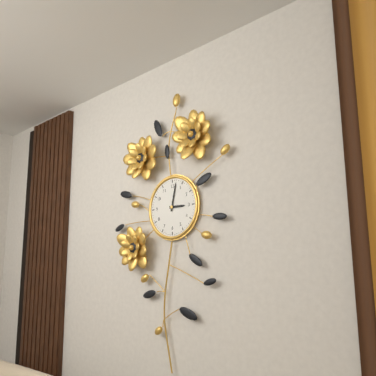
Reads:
3,02
